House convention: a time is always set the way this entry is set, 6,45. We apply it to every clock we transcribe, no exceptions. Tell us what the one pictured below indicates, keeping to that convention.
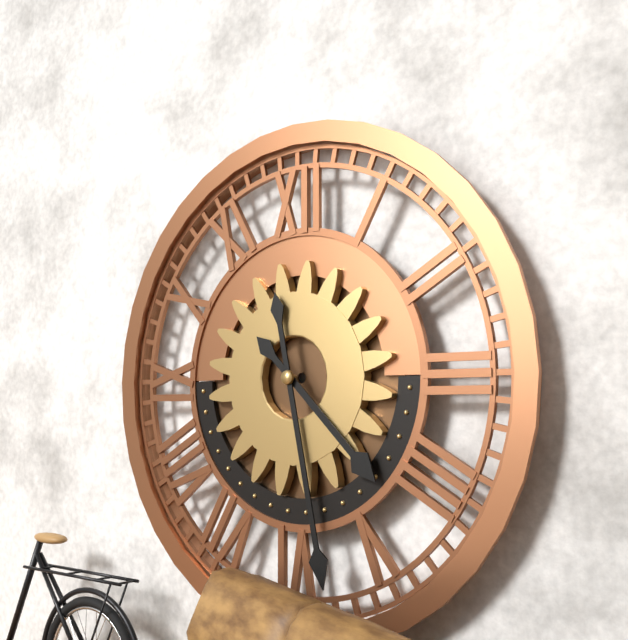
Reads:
4,28
